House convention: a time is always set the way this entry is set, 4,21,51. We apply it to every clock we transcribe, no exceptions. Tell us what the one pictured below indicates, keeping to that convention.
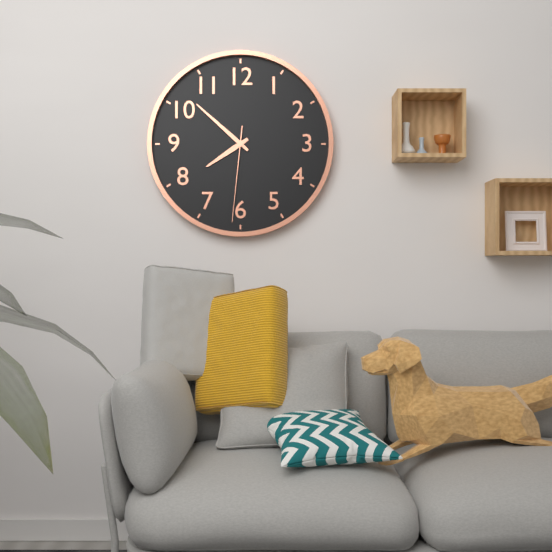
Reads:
7,52,31
